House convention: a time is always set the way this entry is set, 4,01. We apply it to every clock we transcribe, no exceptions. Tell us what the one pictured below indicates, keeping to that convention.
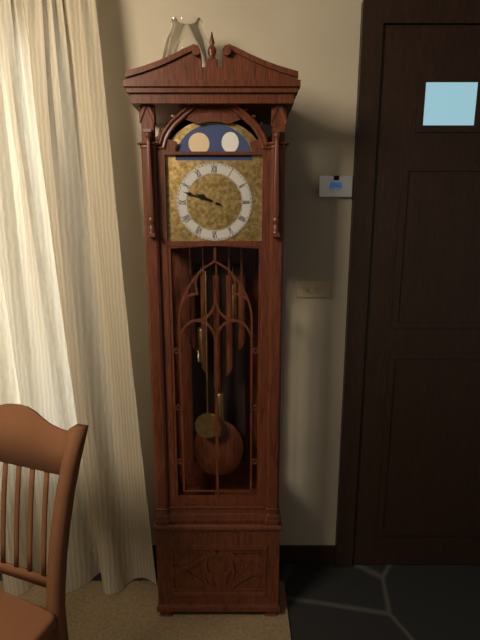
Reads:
9,48
